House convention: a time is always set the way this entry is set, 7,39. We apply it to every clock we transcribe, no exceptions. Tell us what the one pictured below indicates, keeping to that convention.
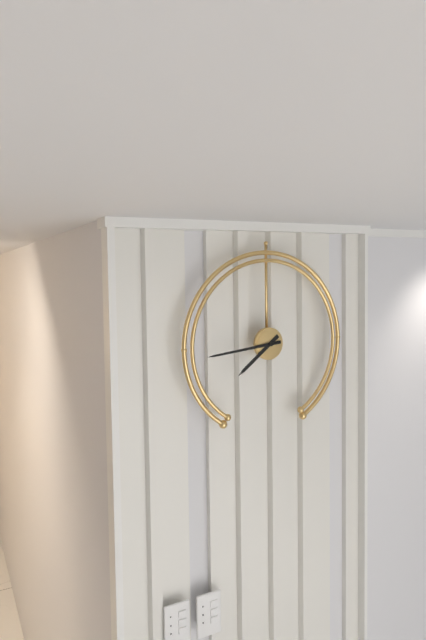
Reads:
7,44
